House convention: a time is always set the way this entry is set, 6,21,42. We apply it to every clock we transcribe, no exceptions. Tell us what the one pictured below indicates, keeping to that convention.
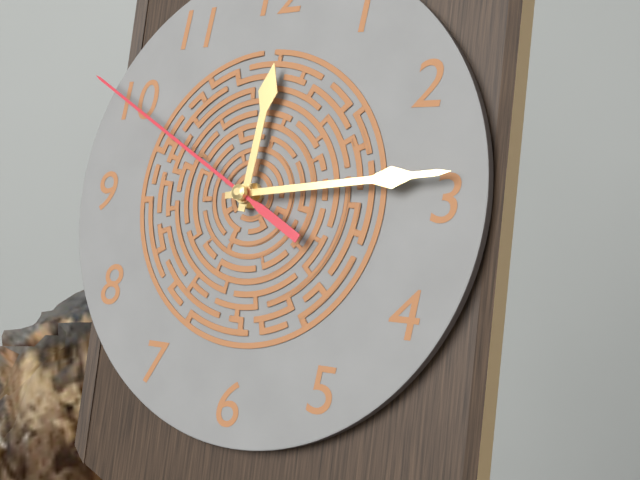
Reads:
12,14,50
